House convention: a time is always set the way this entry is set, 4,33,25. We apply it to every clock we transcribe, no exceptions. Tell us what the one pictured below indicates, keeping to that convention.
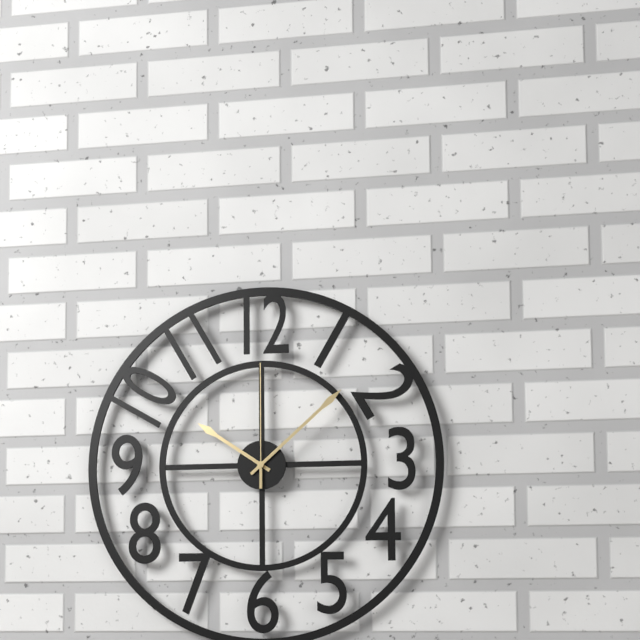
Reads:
10,08,00
